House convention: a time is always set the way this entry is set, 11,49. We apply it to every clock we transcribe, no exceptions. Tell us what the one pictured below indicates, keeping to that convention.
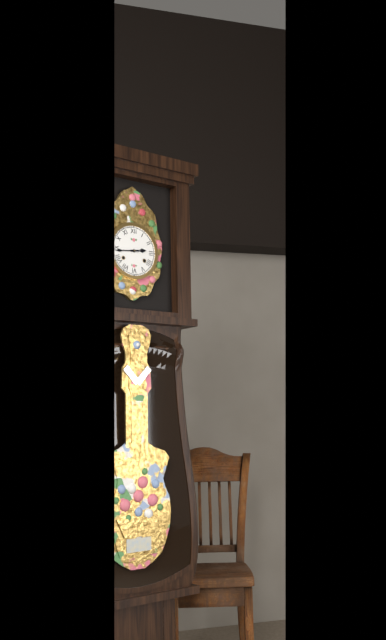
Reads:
2,44
